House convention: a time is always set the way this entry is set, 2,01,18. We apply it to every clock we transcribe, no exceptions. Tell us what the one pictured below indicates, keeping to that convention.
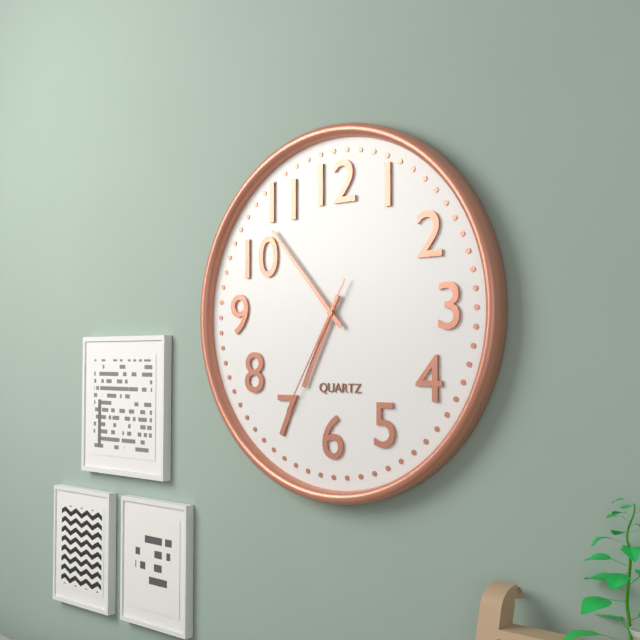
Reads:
6,53,35
